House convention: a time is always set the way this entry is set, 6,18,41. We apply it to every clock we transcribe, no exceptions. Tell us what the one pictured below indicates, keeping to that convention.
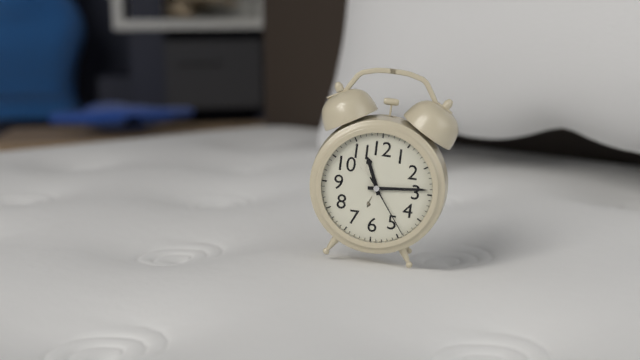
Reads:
11,14,24
